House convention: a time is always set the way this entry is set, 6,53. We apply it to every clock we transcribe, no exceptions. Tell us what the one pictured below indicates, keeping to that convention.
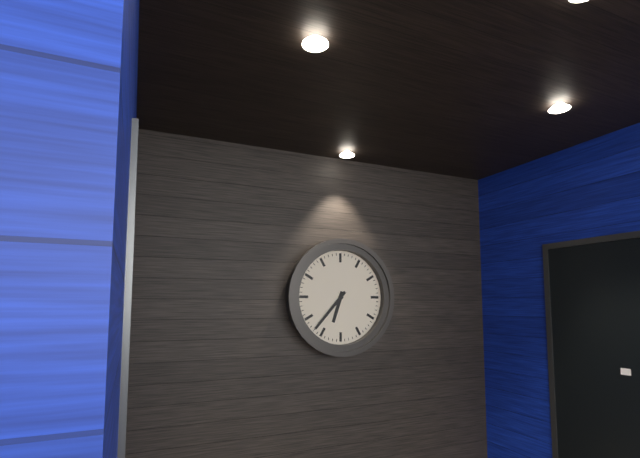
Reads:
6,37
